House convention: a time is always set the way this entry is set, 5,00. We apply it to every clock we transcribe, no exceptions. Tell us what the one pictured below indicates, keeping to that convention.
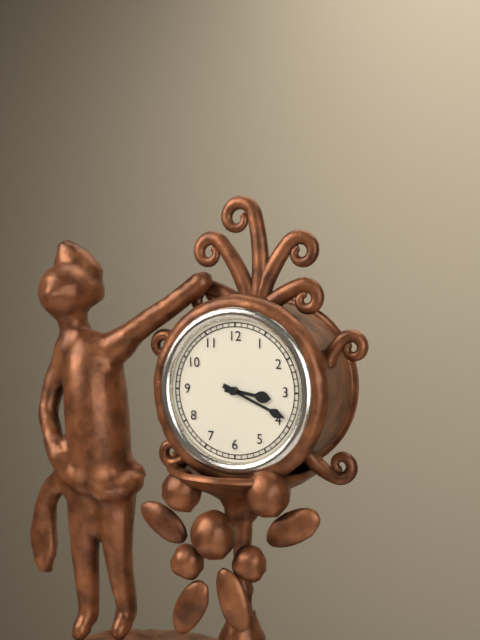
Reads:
3,19
